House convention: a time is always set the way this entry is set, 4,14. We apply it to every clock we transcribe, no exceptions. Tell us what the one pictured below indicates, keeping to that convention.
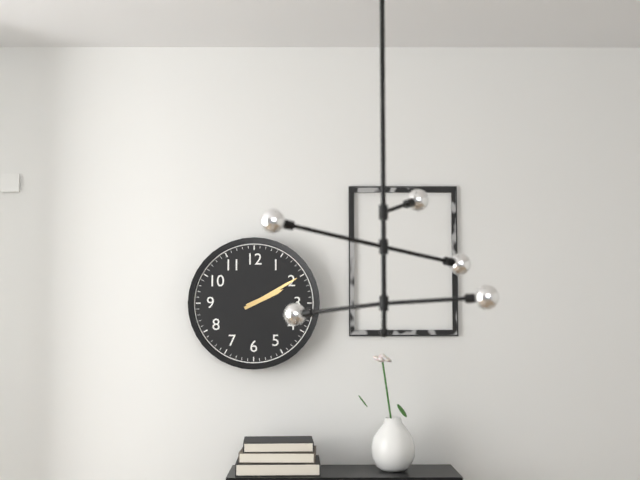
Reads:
2,10
